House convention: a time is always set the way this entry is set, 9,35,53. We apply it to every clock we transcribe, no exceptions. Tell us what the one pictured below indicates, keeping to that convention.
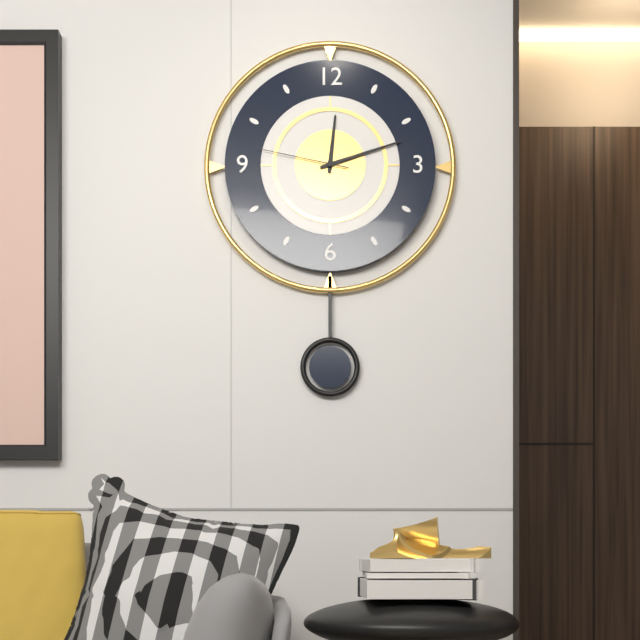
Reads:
12,12,47
